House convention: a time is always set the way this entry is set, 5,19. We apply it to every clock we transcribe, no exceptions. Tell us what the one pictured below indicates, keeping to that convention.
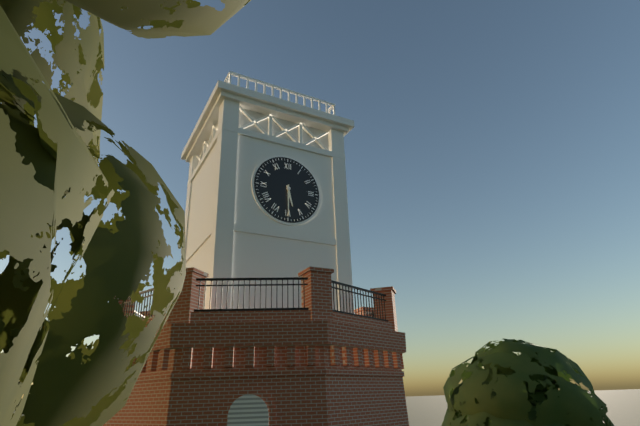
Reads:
5,30
